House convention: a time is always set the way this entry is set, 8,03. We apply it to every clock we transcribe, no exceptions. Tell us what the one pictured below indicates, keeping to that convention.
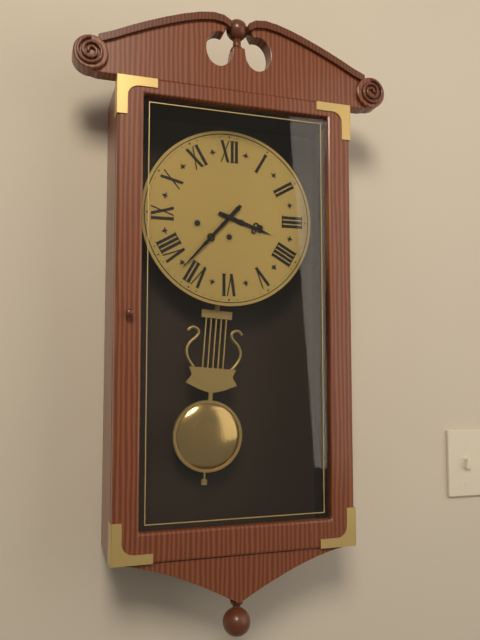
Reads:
3,37
